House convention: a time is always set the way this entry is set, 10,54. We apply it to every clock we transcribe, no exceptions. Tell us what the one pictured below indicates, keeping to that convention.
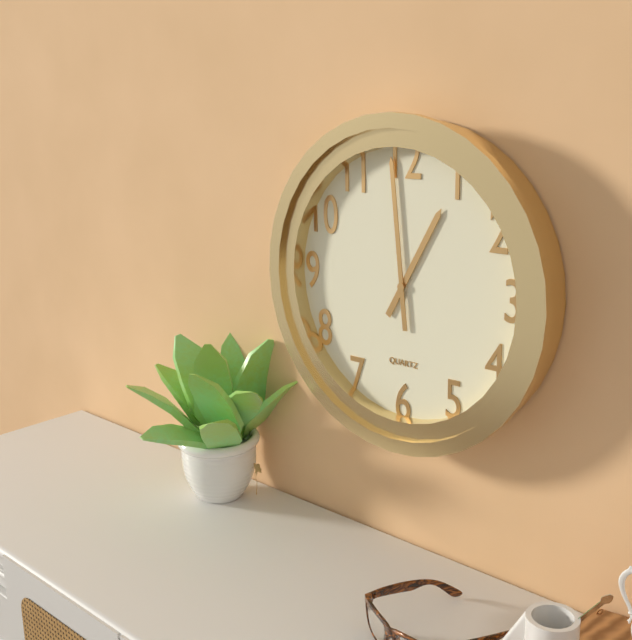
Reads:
12,59
